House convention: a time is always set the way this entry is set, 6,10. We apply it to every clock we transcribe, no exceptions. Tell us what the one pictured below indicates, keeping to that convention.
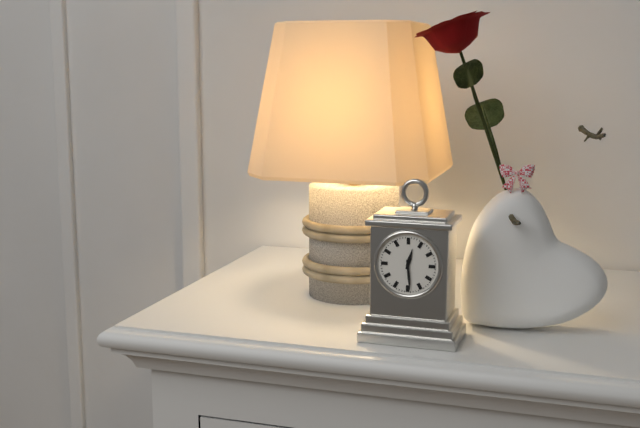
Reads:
12,29
